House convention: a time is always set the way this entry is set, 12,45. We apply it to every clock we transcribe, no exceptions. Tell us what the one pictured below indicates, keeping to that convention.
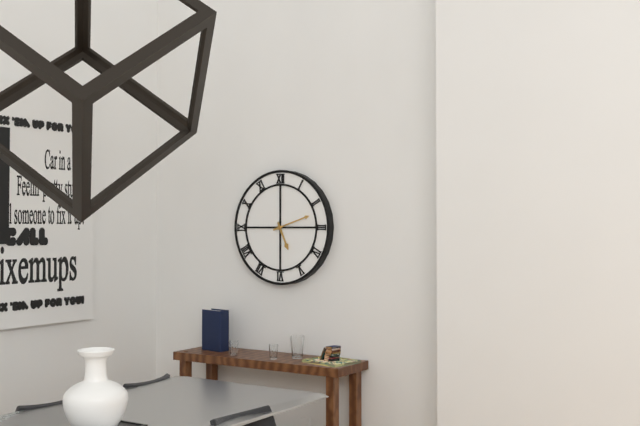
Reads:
5,12
